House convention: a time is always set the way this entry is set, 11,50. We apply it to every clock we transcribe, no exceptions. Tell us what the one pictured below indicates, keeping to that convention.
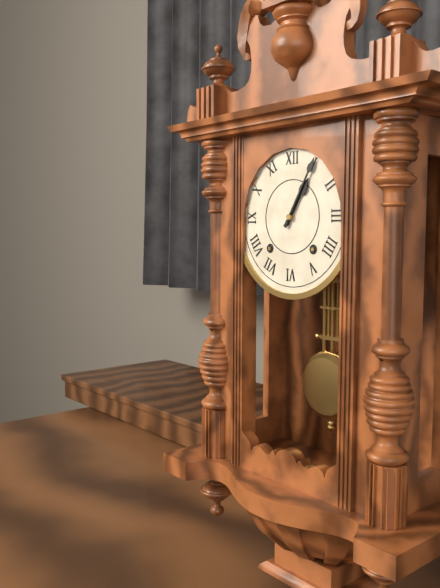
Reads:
1,05
